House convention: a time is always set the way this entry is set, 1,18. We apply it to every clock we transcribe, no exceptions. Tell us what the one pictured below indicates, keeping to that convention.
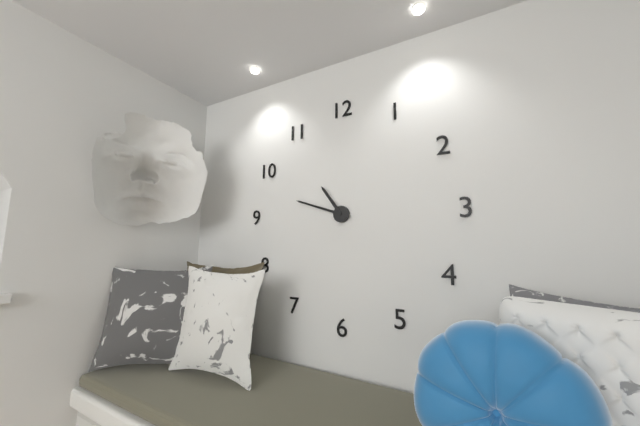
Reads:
10,48
